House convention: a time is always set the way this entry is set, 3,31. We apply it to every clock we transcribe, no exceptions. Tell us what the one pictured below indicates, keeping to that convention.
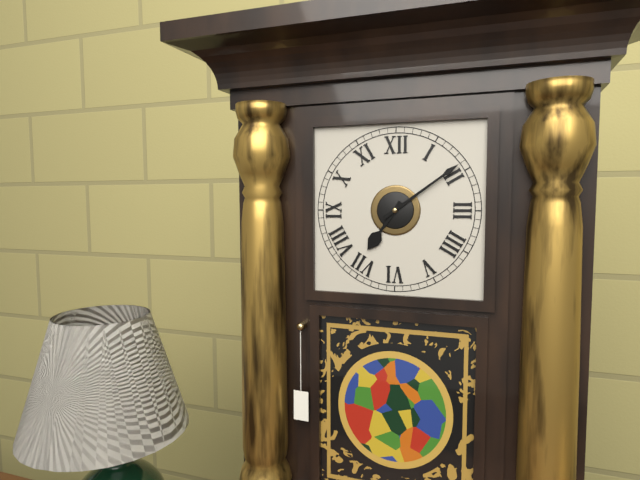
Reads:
7,09
